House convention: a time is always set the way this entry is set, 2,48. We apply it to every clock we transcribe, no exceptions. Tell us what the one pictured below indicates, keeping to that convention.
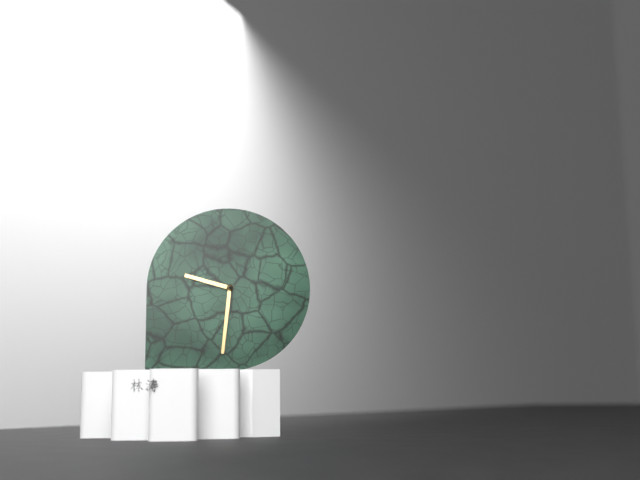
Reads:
9,31
